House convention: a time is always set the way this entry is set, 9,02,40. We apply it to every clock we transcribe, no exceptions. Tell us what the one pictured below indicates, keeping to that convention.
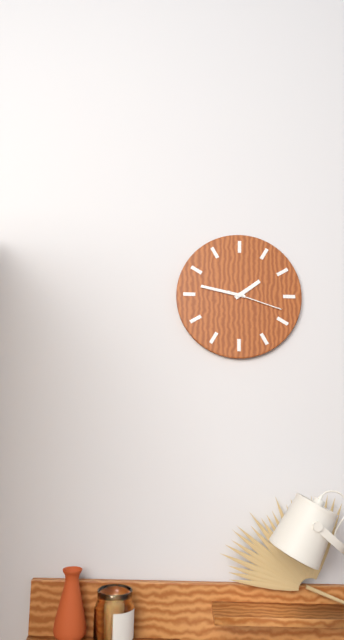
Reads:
1,47,18
